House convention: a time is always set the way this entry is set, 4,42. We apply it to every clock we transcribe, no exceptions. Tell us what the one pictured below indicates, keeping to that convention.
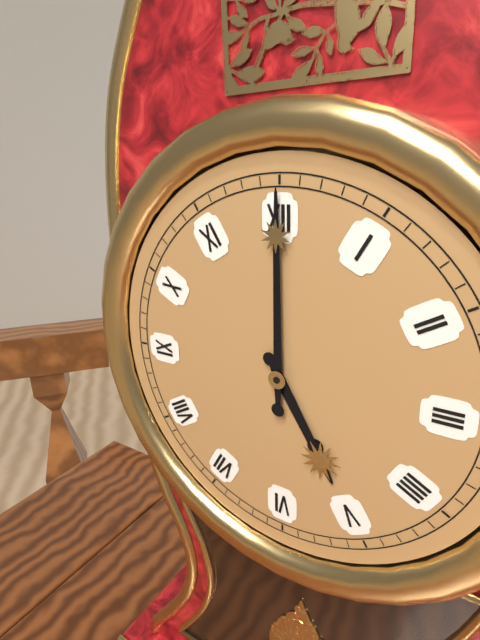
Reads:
5,00
